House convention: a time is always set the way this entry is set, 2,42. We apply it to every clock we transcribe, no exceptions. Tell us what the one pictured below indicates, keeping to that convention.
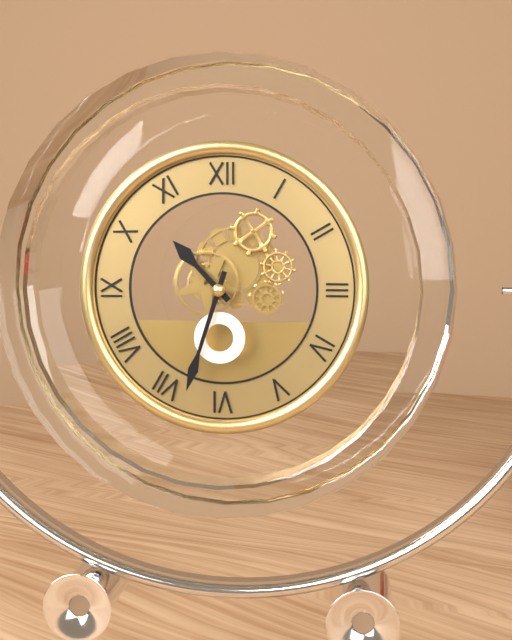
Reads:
10,33
